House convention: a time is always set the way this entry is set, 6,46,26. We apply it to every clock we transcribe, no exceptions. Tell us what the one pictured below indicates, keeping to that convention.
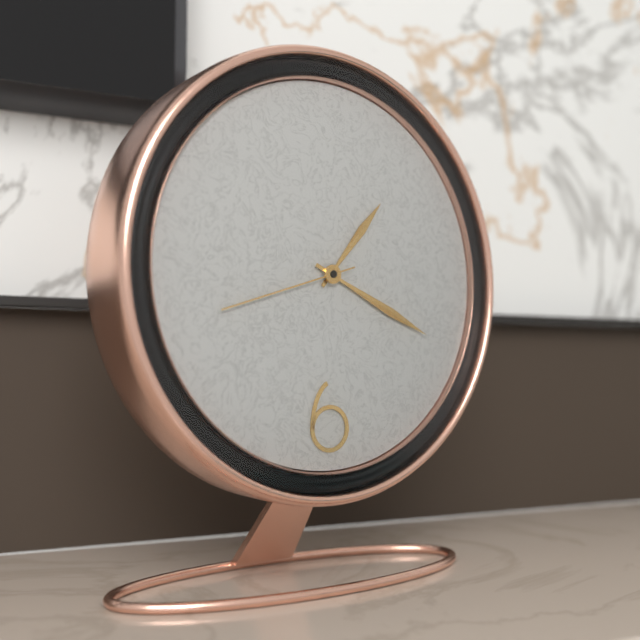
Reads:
1,19,42
